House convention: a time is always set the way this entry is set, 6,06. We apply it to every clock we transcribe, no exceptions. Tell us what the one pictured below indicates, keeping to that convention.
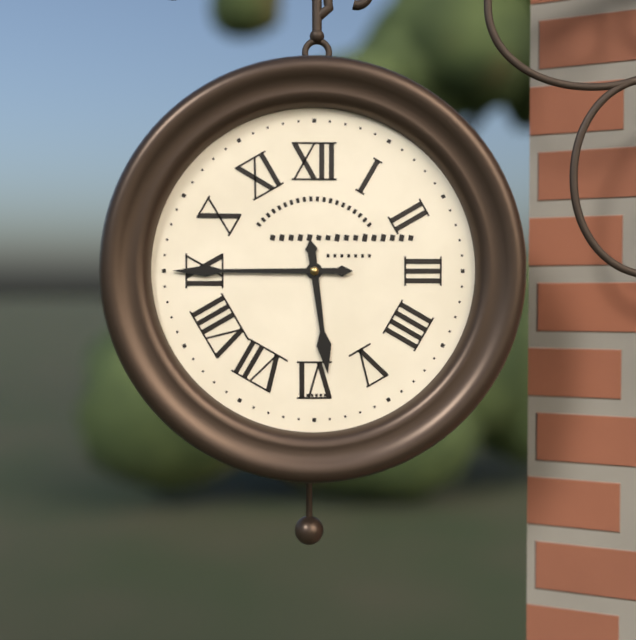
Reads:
5,45
